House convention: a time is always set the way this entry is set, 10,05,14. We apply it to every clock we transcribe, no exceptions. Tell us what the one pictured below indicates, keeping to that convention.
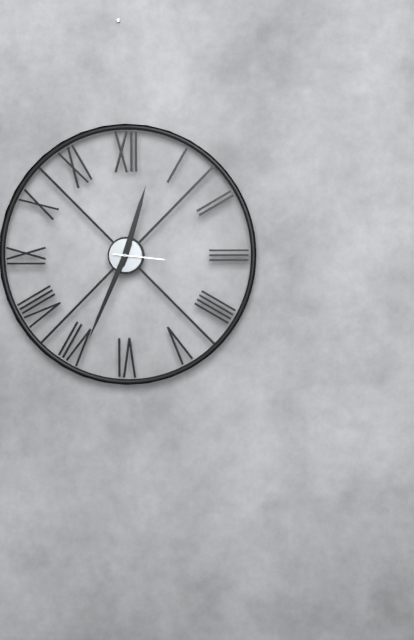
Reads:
12,34,16
